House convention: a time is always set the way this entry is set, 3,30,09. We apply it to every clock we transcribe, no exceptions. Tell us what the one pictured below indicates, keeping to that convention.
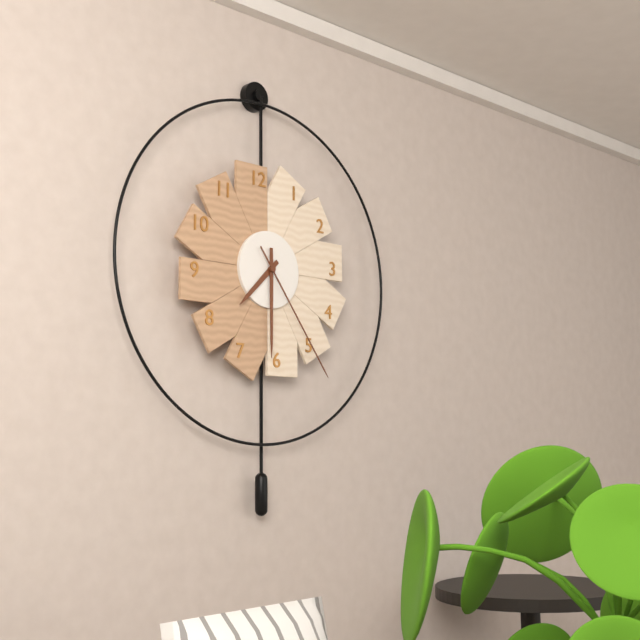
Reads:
7,30,24
